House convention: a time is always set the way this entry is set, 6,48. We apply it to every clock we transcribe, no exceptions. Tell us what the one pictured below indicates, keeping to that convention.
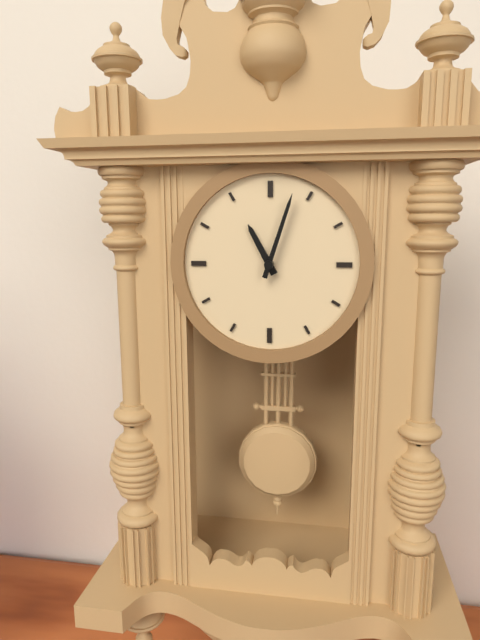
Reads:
11,03
